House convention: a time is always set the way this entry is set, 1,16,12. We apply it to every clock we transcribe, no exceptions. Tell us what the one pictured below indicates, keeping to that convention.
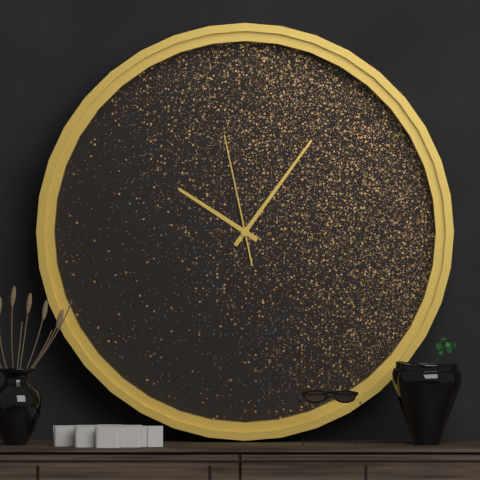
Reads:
10,06,58
